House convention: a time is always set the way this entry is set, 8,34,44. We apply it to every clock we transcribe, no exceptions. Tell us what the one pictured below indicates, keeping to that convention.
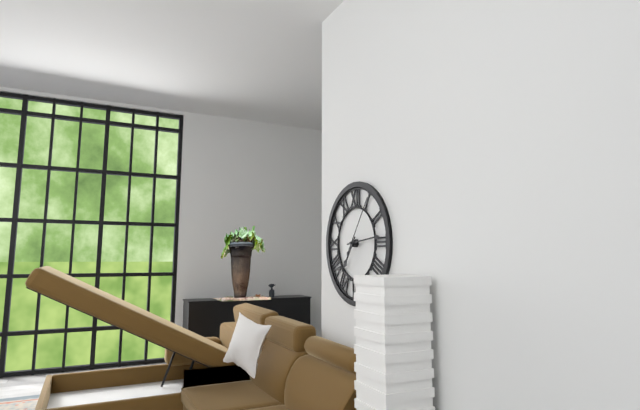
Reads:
7,14,06
